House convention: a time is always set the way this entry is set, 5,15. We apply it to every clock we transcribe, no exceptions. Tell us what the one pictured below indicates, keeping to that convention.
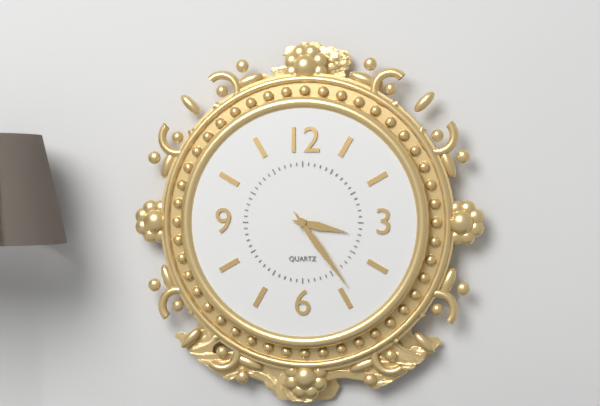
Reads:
3,24
